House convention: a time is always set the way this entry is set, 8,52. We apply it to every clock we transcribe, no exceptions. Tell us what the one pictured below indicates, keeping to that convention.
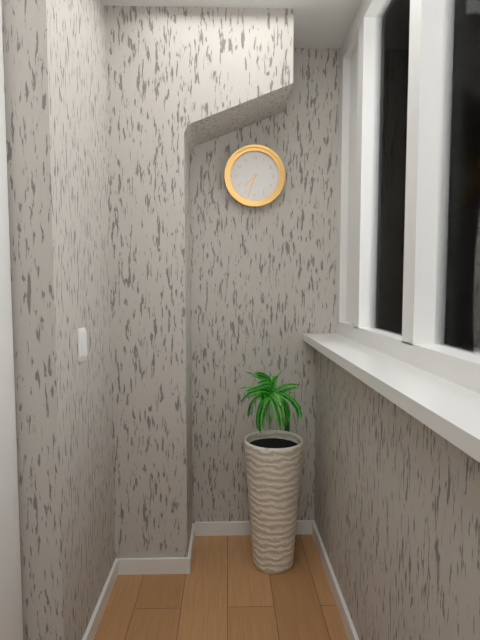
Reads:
7,33
